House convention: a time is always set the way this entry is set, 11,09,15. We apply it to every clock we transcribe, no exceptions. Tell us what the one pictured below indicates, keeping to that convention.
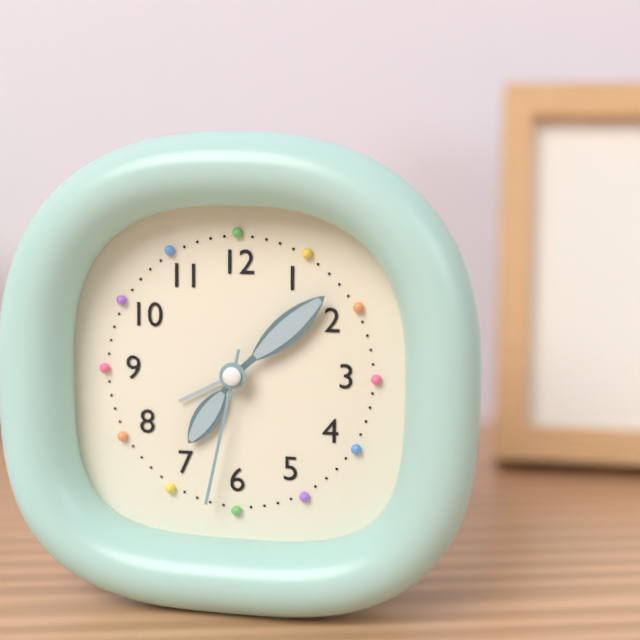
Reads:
7,08,32
